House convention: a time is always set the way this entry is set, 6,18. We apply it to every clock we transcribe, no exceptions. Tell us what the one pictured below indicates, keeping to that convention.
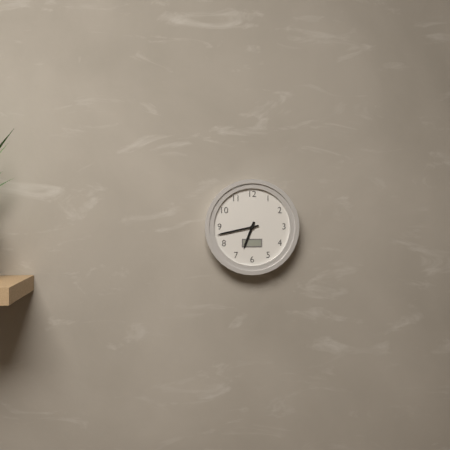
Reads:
6,43
